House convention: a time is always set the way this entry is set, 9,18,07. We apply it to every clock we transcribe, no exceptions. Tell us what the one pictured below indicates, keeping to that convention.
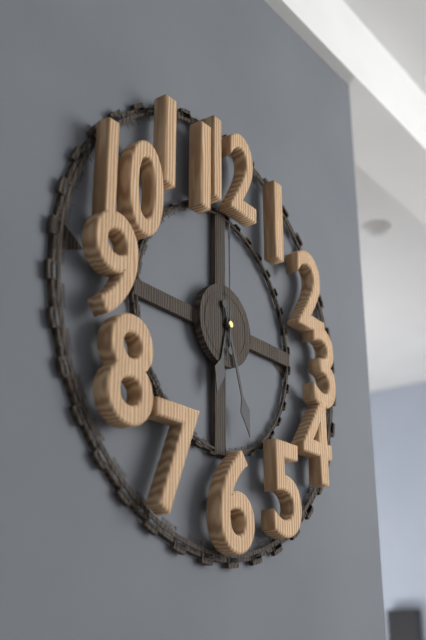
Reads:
6,27,00
